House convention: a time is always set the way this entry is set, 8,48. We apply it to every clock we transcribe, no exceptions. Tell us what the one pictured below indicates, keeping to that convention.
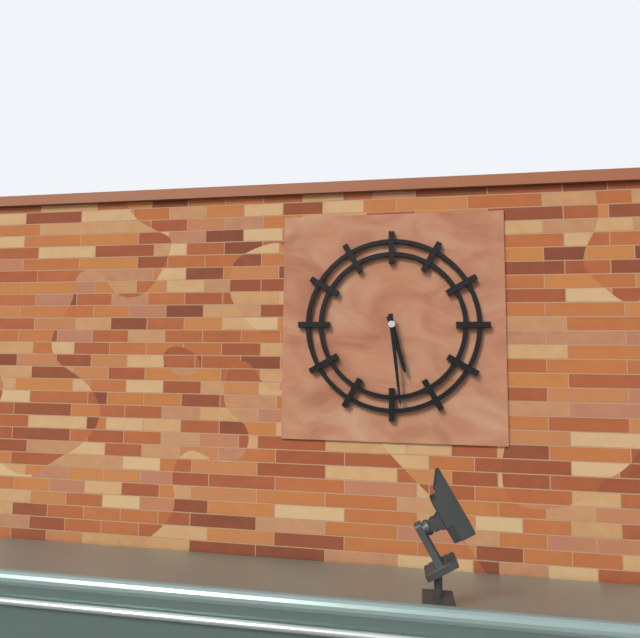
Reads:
5,29
